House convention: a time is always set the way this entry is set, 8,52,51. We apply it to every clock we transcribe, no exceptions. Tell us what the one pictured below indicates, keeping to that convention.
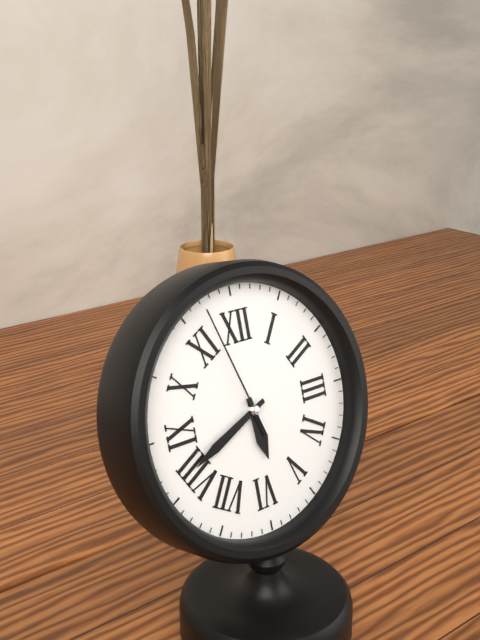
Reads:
5,41,57
